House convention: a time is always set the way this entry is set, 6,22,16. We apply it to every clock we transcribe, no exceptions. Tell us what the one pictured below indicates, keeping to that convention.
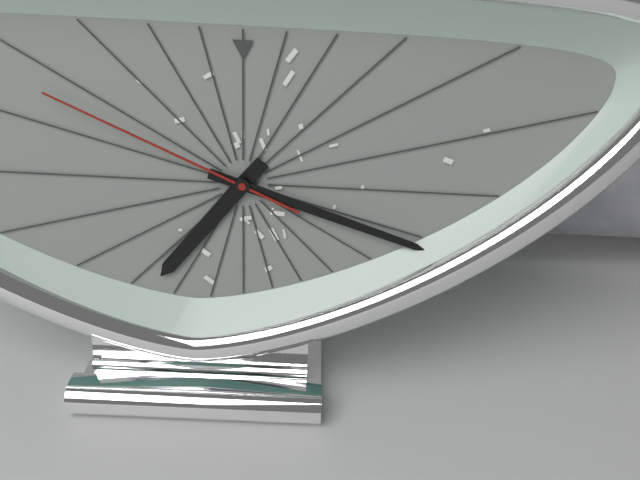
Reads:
7,18,49
